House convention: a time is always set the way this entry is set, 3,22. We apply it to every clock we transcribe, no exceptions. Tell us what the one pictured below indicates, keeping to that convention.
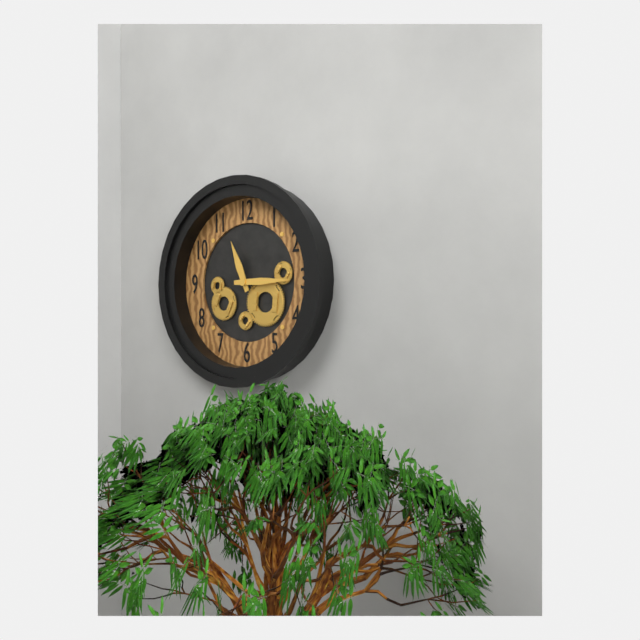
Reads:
11,15
